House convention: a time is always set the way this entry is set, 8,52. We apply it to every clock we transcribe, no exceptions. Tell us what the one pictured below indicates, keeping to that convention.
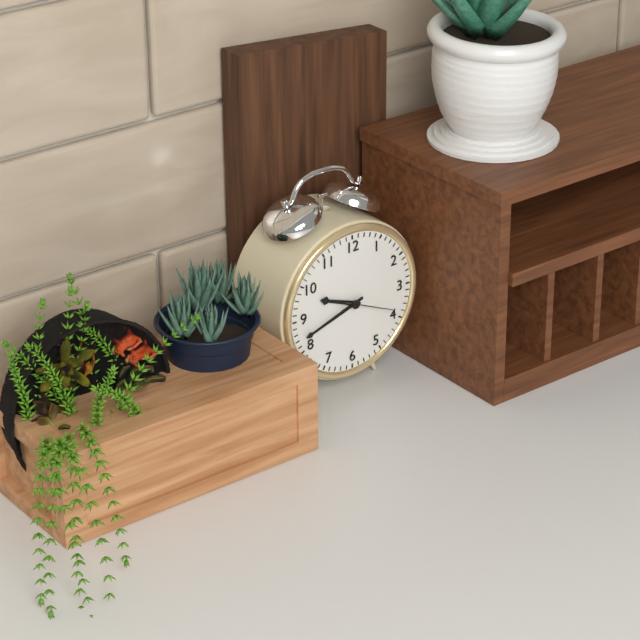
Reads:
9,42
